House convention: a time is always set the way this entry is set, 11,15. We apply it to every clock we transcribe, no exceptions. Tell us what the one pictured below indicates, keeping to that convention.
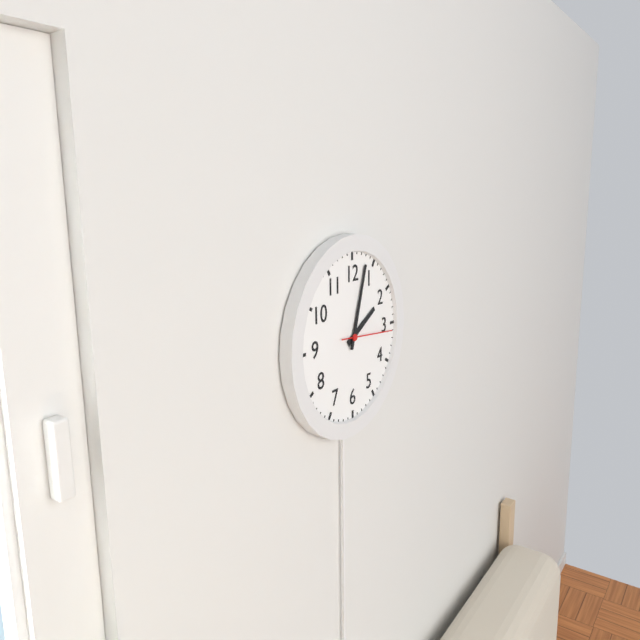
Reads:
2,03
